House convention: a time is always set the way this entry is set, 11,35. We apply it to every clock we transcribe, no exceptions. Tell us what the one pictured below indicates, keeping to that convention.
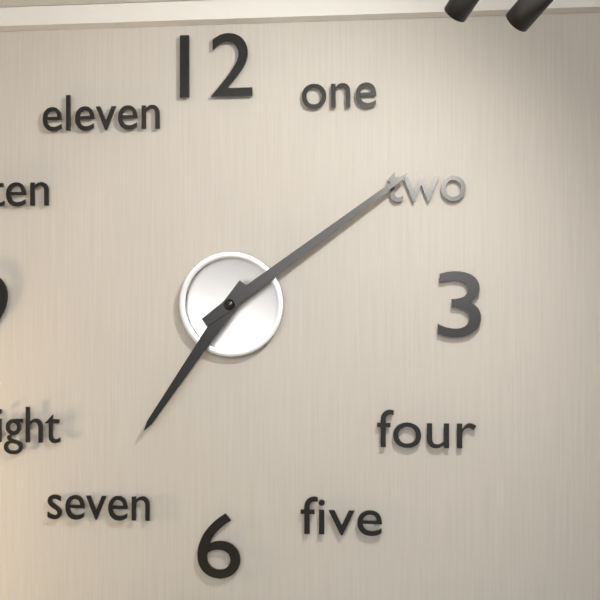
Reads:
7,09
